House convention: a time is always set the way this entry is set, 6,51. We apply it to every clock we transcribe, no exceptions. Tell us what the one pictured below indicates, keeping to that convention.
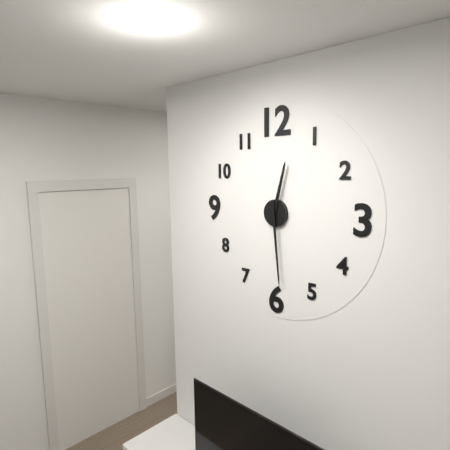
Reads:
12,29
